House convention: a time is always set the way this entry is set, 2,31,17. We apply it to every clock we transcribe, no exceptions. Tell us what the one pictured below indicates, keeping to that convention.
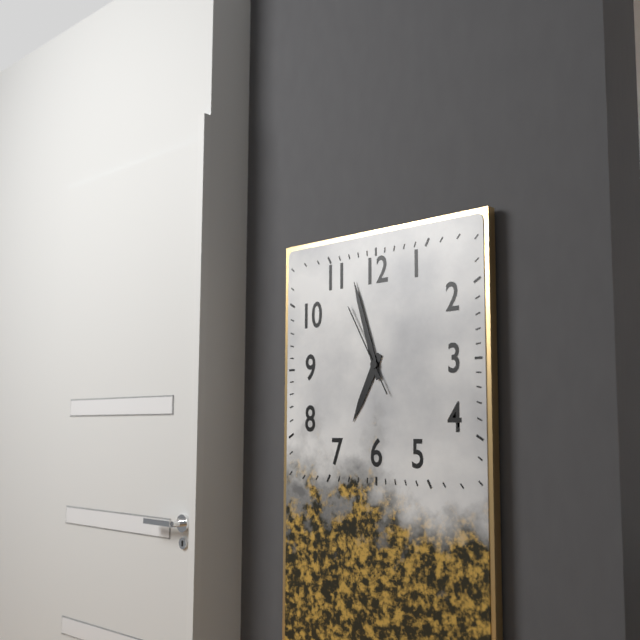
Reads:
6,57,55
